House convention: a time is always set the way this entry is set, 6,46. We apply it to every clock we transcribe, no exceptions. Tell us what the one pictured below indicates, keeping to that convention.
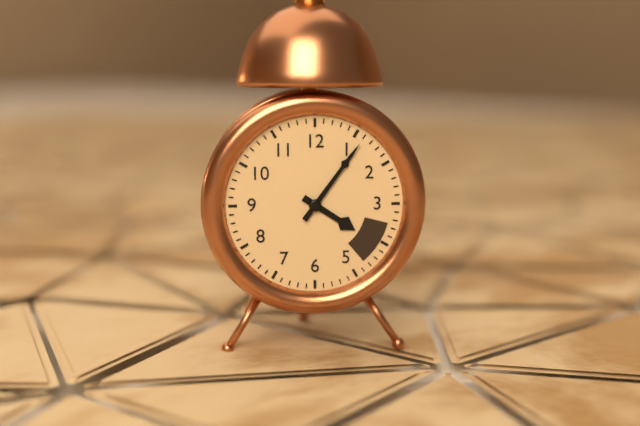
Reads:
4,06
